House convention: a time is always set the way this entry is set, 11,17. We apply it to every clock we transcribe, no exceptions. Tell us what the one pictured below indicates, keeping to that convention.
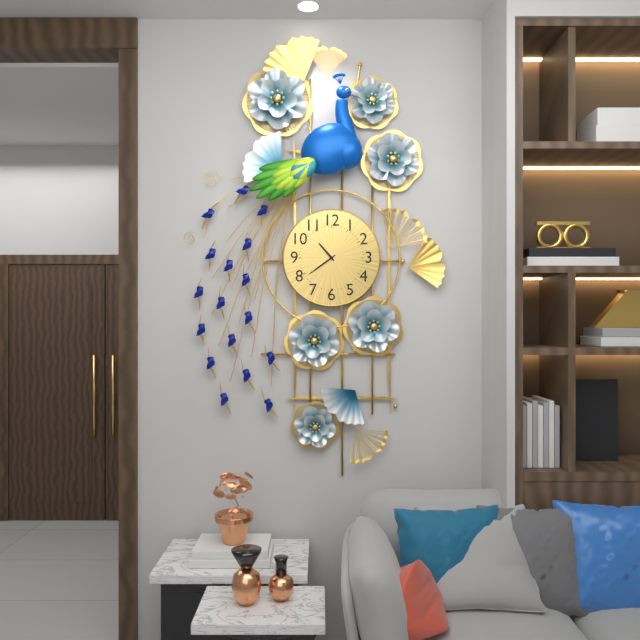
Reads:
10,39
